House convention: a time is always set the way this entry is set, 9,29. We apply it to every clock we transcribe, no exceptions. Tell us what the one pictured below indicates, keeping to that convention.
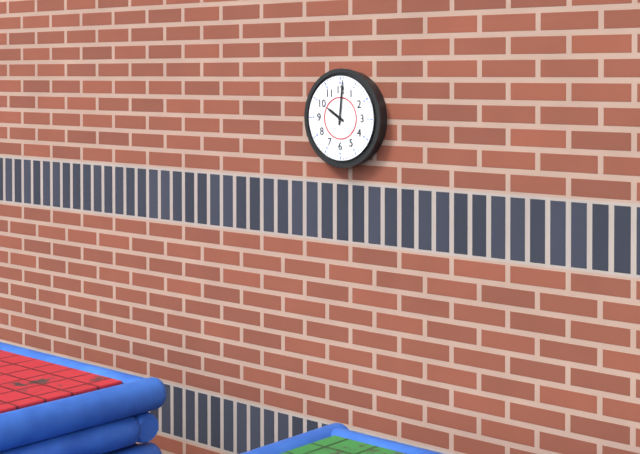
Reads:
10,01
